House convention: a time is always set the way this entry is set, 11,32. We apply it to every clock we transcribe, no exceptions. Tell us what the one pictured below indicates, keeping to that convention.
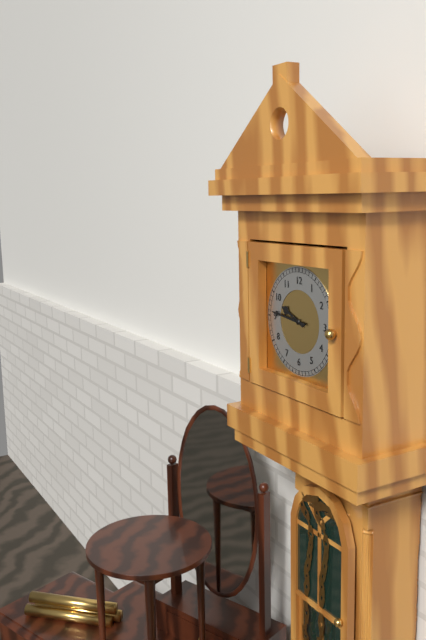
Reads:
9,46
